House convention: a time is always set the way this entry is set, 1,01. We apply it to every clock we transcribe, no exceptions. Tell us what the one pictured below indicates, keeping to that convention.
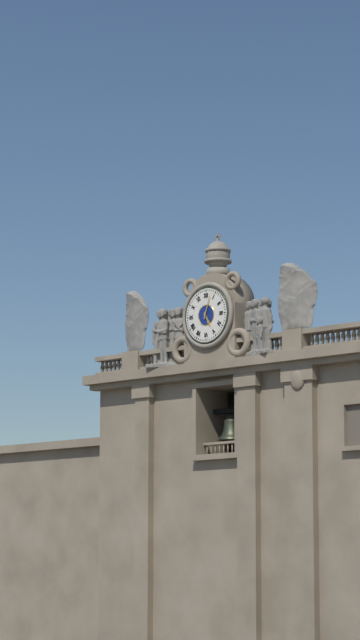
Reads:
5,03
